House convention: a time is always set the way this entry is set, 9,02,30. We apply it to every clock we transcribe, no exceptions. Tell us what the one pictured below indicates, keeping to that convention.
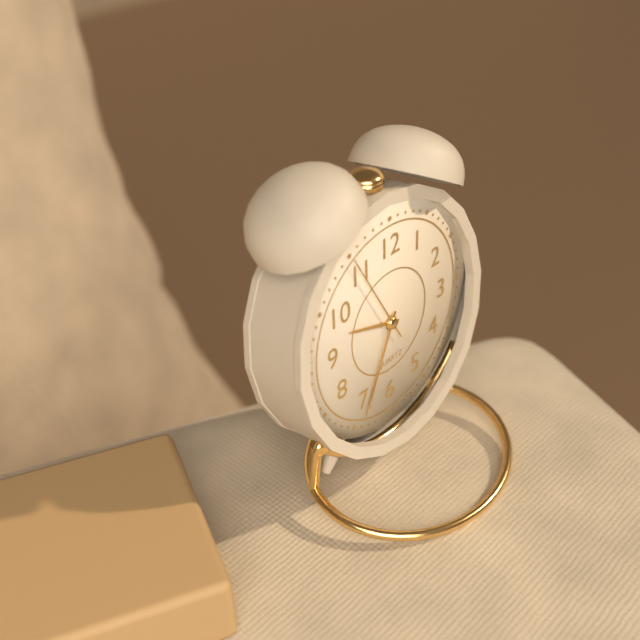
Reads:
9,34,55
